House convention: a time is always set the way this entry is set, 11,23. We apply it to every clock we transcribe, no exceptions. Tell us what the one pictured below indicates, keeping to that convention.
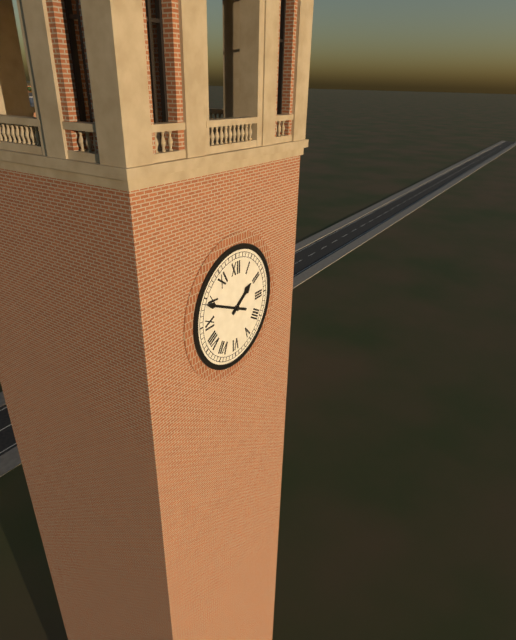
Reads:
1,49
